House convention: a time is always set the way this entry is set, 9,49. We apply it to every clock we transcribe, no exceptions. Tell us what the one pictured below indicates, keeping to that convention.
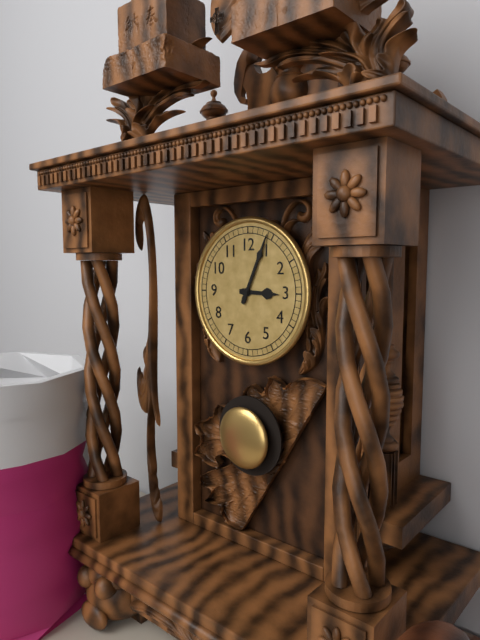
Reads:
3,04
